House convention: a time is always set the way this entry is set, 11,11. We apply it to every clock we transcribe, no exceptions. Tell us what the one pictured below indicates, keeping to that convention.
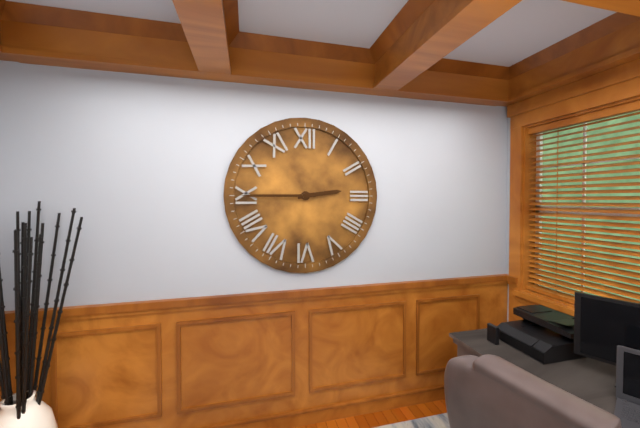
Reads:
2,45
